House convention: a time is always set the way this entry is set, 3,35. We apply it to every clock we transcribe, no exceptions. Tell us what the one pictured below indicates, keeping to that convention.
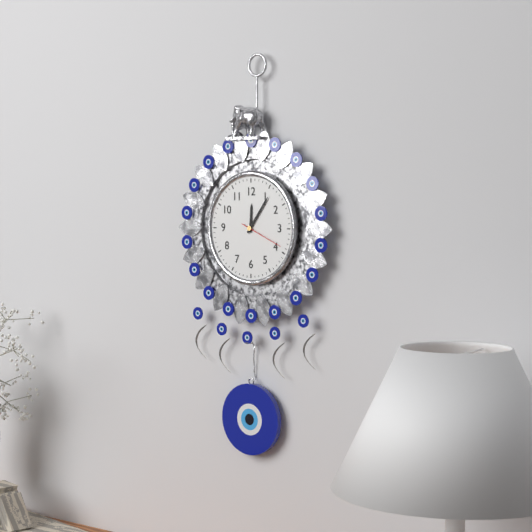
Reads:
12,06
